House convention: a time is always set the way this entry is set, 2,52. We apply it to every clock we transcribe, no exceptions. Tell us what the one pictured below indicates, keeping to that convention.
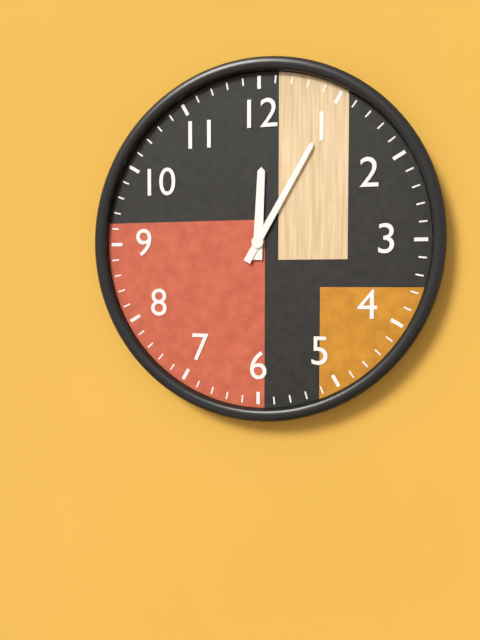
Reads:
12,05
